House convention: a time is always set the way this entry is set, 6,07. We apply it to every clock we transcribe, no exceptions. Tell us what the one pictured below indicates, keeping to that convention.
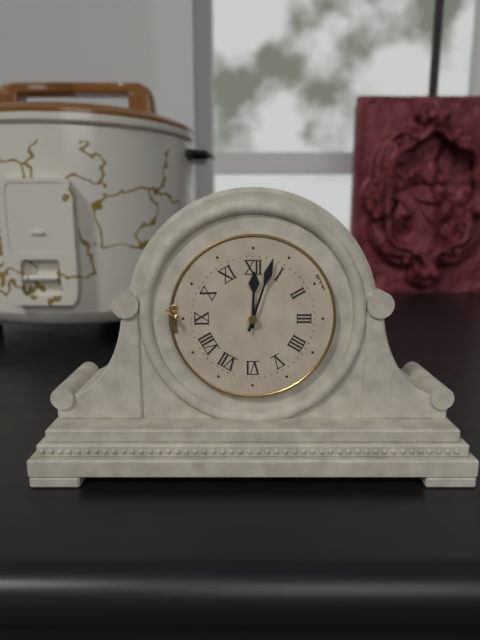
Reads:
12,03
